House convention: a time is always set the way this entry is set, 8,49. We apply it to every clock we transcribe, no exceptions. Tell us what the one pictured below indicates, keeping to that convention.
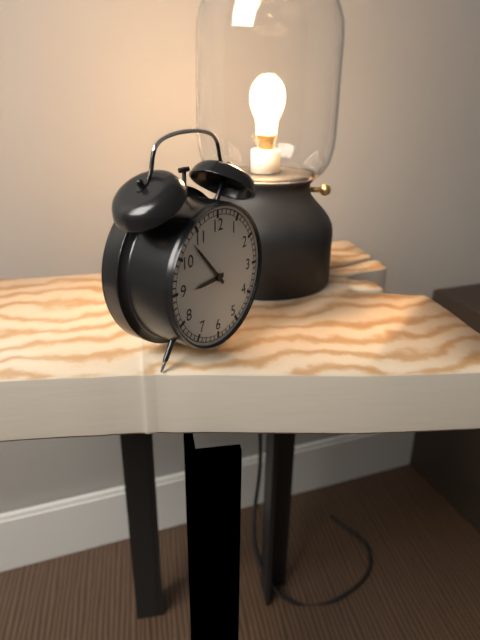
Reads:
8,53
